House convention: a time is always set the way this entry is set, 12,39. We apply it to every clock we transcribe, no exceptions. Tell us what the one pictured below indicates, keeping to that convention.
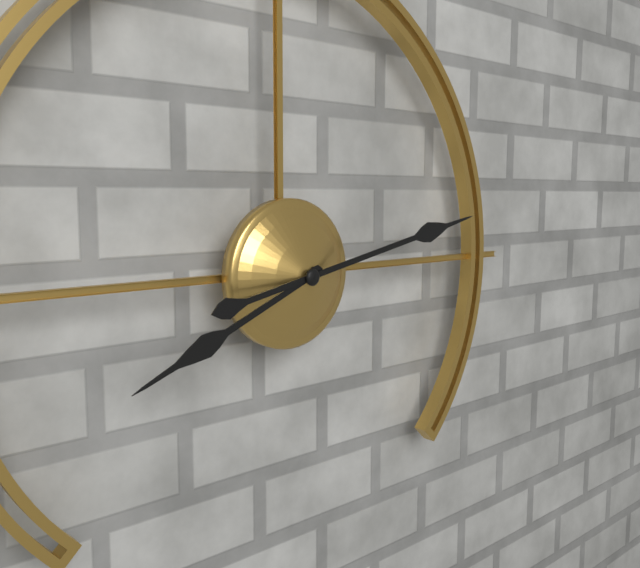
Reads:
8,13
